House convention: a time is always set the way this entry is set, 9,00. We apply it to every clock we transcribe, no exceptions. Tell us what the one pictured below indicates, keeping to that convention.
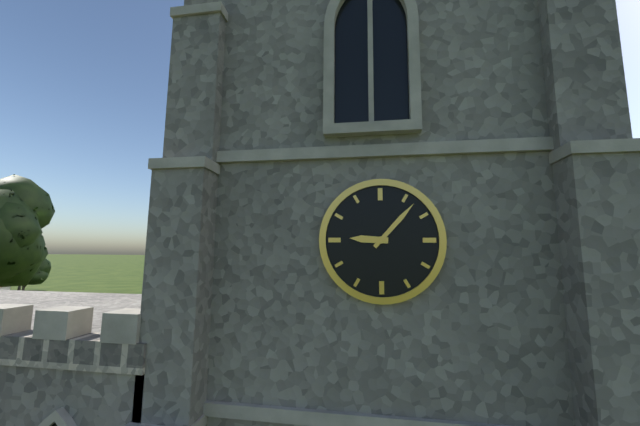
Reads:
9,07
